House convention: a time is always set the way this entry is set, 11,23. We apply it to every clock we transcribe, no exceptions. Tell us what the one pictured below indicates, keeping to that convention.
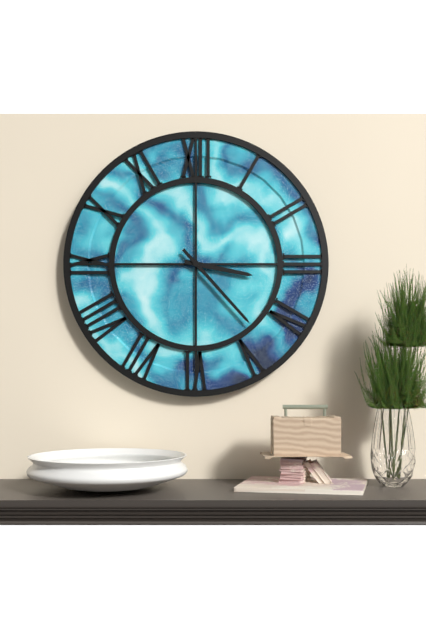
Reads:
3,23
